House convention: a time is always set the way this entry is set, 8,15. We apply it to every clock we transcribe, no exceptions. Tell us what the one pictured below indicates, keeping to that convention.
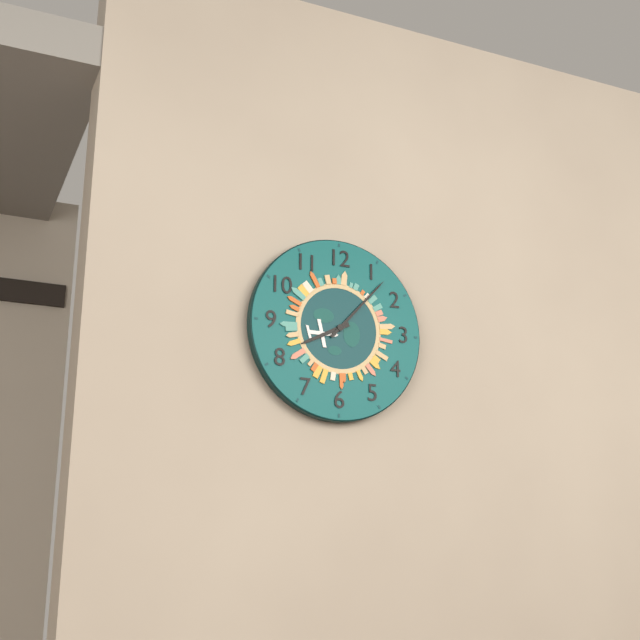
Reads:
8,07
